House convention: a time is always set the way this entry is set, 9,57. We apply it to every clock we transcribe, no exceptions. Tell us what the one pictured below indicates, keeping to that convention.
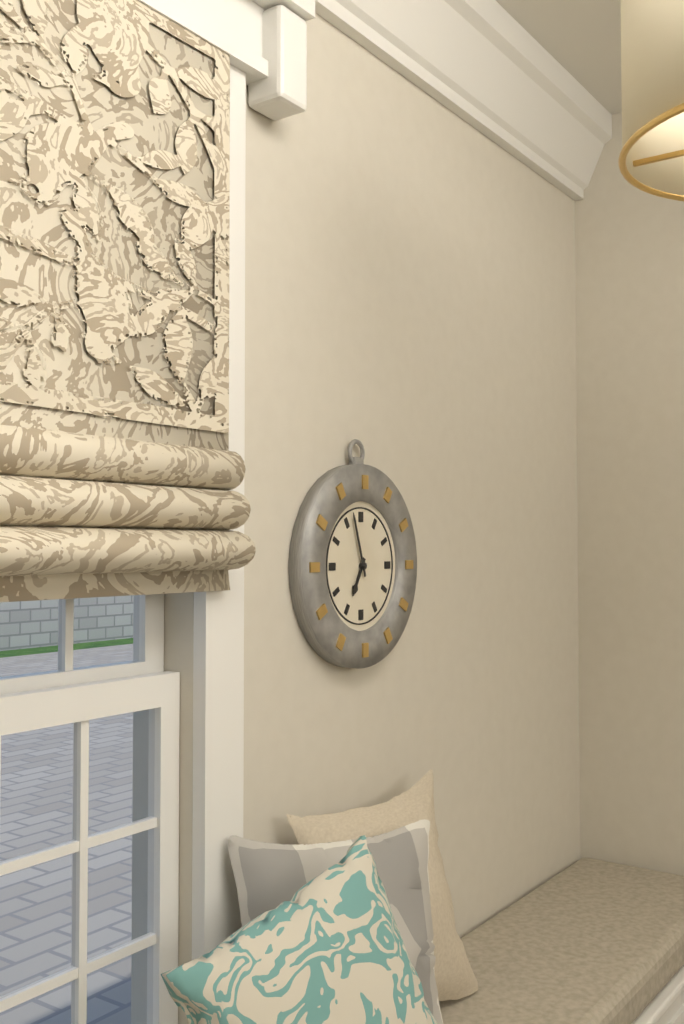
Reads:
6,57
